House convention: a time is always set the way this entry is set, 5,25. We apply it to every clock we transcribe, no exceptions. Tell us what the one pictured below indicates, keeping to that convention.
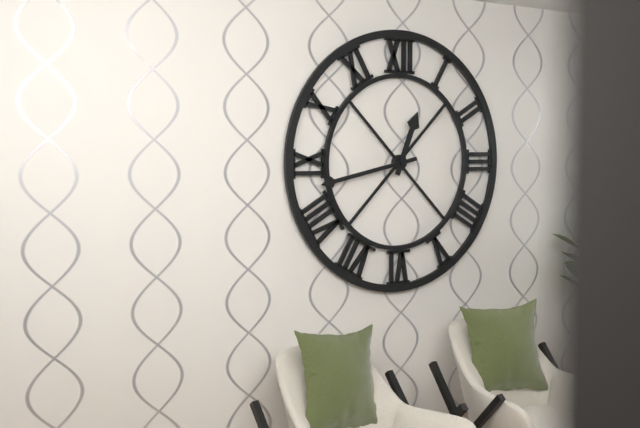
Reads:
12,43
